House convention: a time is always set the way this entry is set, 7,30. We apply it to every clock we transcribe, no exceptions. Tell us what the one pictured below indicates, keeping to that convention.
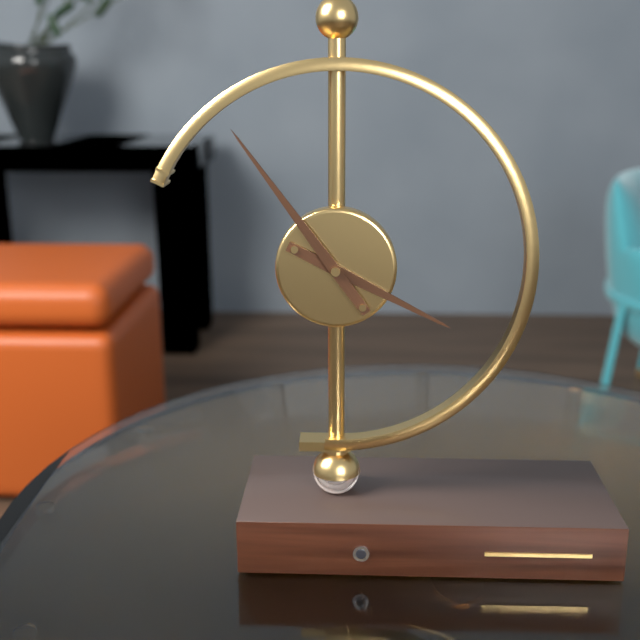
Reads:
3,54
